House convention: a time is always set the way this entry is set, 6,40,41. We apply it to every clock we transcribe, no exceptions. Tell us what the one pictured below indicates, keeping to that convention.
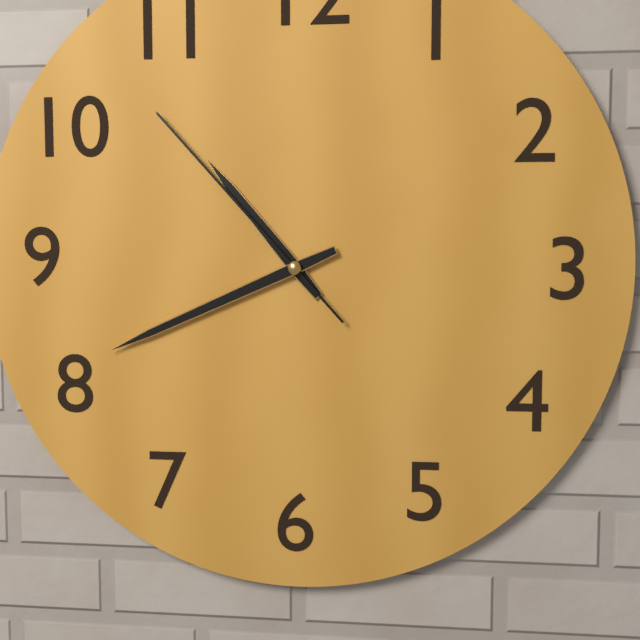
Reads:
10,41,53
